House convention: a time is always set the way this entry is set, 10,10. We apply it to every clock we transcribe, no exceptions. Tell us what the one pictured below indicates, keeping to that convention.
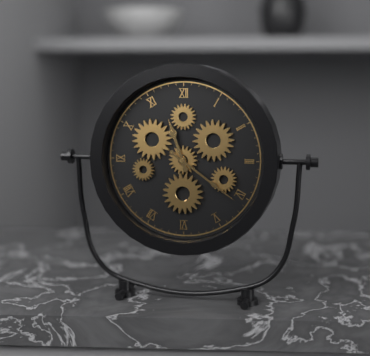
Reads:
11,21
